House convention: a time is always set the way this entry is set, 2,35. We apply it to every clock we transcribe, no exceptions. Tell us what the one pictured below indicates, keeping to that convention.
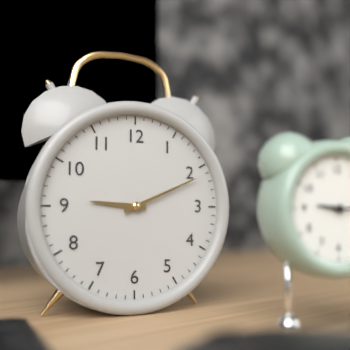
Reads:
9,11
